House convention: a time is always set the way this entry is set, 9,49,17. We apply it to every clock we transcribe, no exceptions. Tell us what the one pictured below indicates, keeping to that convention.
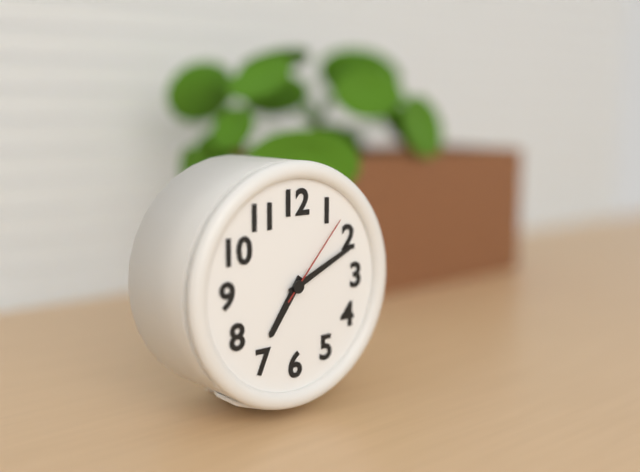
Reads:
7,11,07
